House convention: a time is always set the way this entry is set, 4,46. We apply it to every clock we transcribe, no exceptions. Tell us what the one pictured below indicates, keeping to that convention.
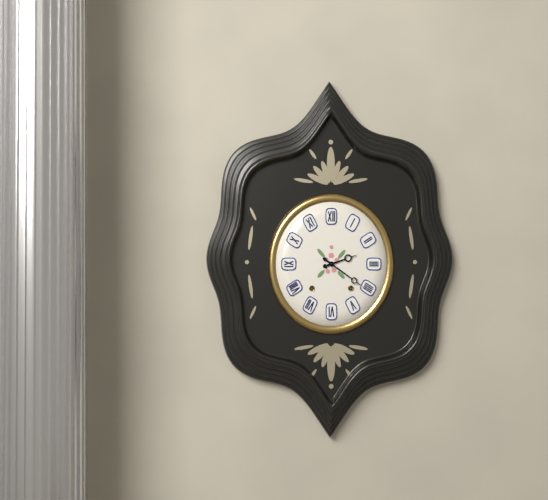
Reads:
2,21
